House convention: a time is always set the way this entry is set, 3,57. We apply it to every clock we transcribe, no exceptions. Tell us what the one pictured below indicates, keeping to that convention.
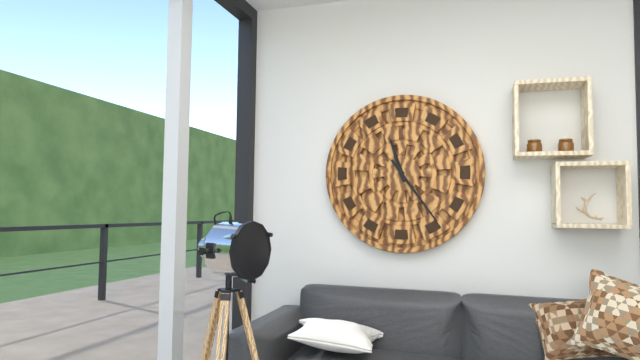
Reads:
11,24
